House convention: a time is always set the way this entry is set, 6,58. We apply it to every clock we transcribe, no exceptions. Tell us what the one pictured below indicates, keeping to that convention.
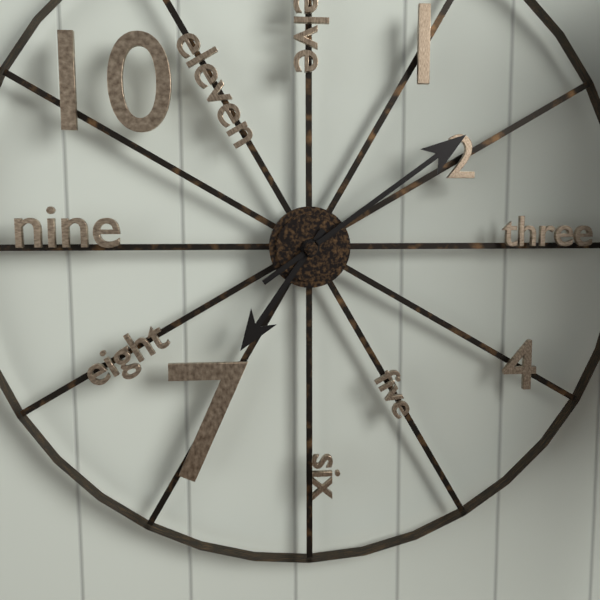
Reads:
7,09
